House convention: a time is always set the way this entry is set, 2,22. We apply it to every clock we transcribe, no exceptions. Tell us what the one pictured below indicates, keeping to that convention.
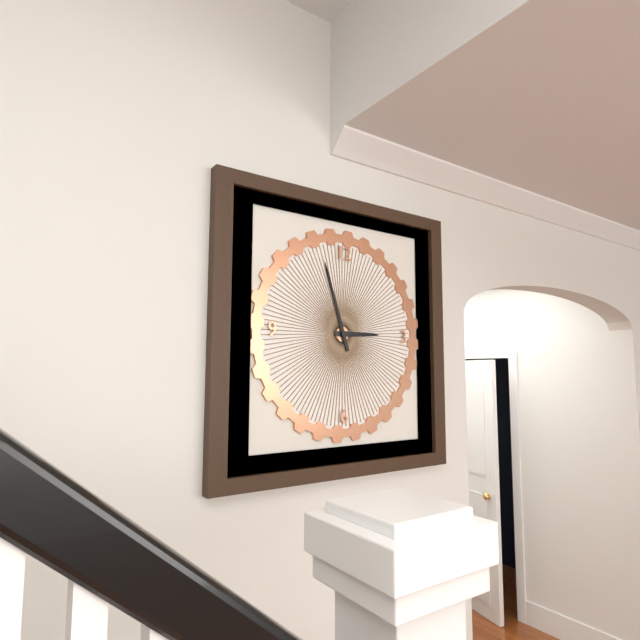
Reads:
2,57
